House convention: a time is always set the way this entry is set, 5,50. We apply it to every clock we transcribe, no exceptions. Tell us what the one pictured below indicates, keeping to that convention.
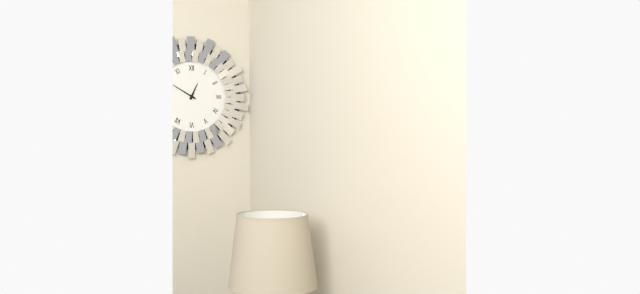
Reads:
12,50
